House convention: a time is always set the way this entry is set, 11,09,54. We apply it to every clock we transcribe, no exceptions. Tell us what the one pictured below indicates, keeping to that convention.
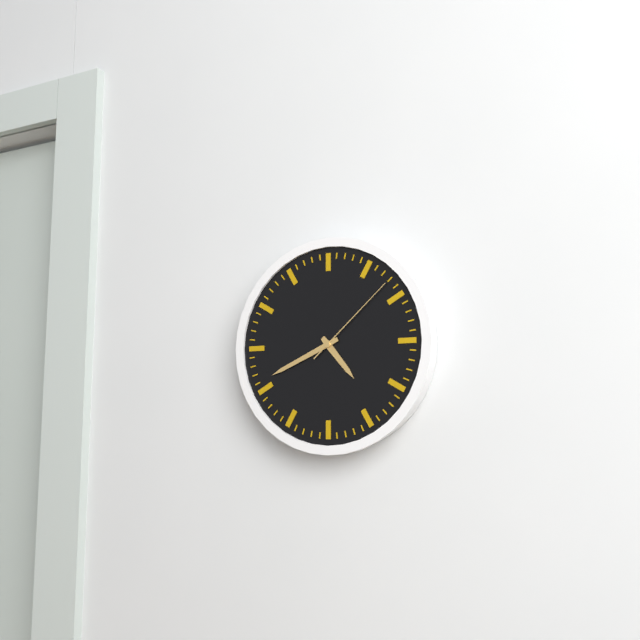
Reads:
4,41,08
